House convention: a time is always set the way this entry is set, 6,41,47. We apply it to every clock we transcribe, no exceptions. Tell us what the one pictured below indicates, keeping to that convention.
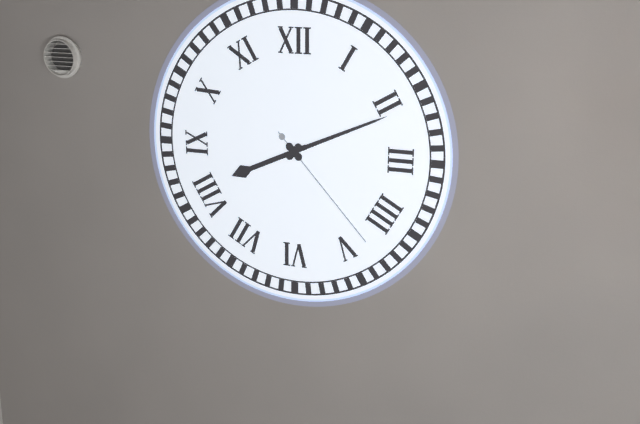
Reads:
8,11,23
